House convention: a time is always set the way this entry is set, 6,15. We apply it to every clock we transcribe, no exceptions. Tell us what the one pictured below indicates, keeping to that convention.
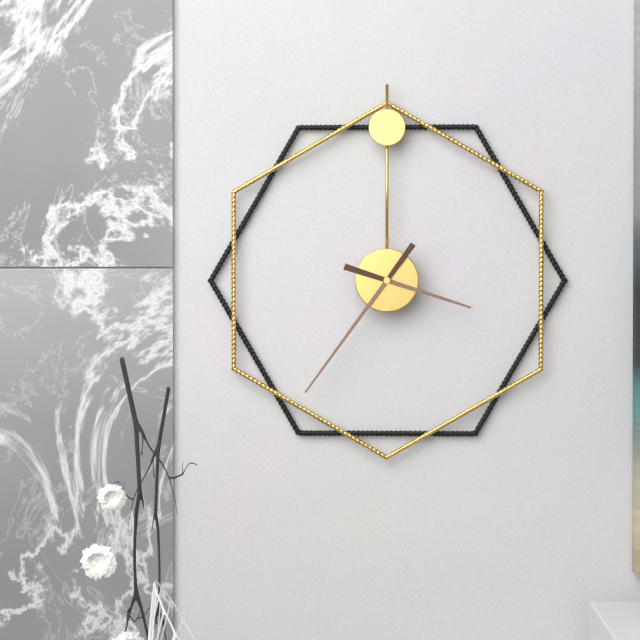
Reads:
3,36
